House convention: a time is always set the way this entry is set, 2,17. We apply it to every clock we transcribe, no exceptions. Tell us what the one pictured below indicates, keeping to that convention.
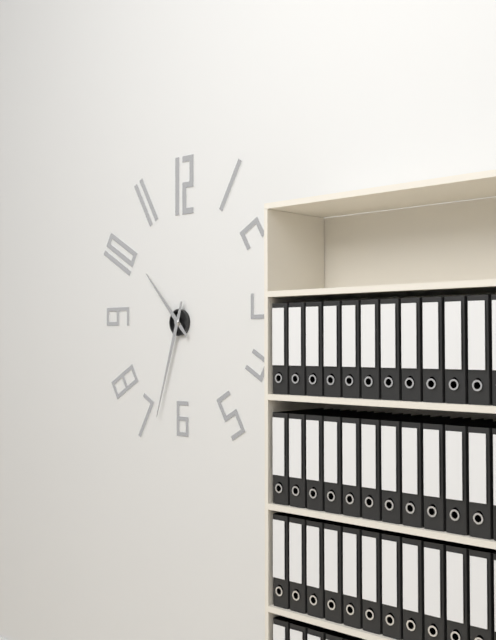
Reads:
10,33
